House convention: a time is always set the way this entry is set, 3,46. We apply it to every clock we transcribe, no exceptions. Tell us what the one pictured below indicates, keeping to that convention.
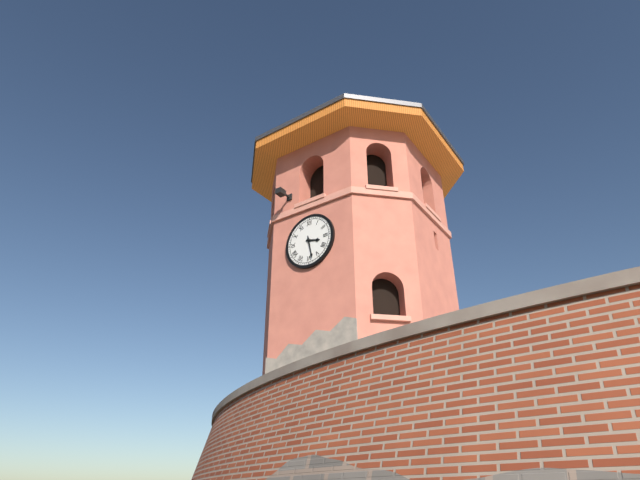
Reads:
3,28
